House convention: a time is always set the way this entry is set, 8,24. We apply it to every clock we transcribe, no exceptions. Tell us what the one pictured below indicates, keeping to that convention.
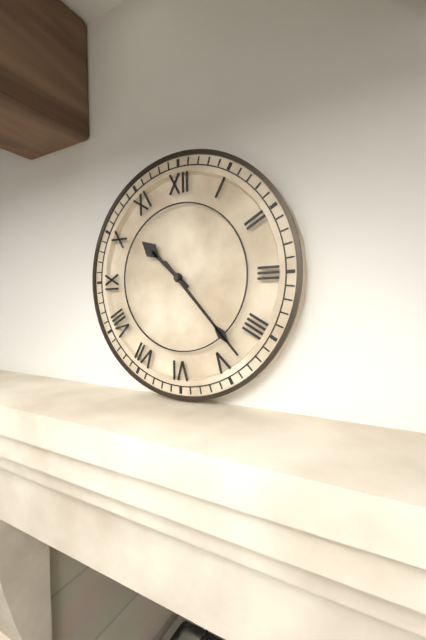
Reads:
10,23
